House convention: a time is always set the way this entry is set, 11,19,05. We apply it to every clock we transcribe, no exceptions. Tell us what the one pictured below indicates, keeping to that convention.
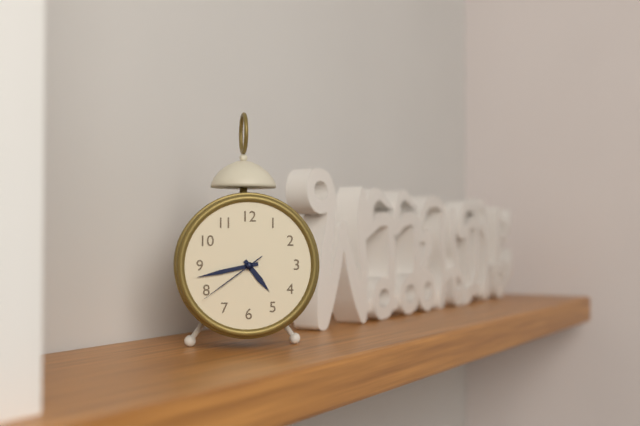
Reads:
4,43,39
